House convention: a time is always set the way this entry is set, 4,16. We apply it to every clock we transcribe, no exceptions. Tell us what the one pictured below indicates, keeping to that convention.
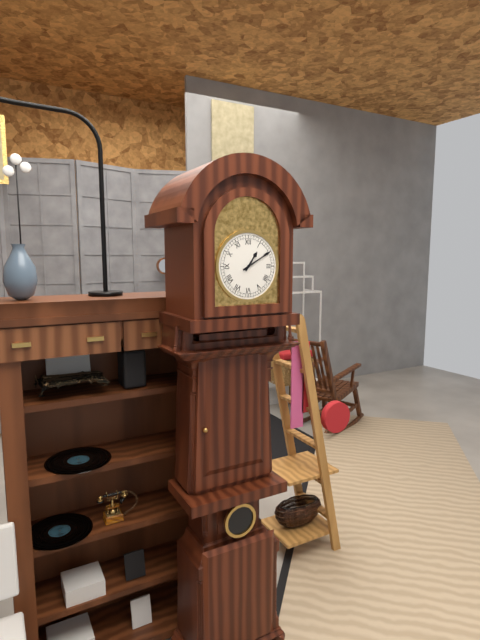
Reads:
1,10
